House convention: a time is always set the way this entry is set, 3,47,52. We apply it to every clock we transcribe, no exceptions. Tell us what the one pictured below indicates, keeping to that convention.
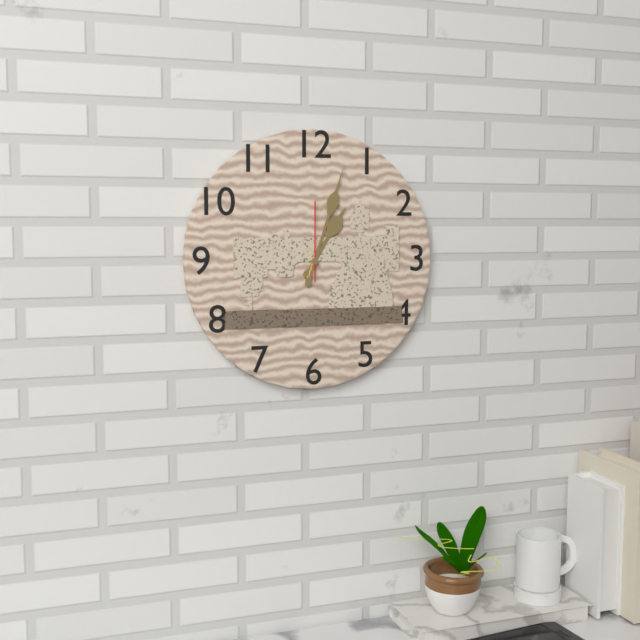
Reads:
1,03,00
